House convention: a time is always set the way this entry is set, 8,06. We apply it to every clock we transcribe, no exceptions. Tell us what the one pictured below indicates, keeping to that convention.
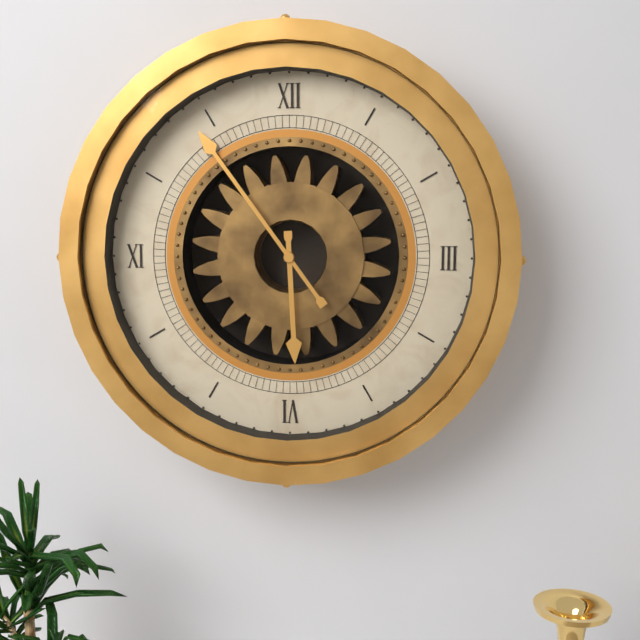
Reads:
5,54
